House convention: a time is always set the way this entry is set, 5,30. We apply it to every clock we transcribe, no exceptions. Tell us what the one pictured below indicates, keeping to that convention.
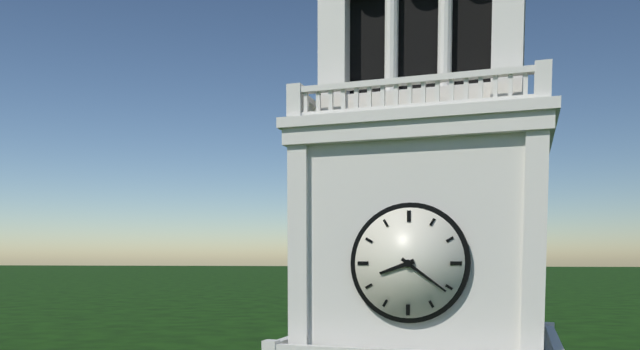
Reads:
8,21
